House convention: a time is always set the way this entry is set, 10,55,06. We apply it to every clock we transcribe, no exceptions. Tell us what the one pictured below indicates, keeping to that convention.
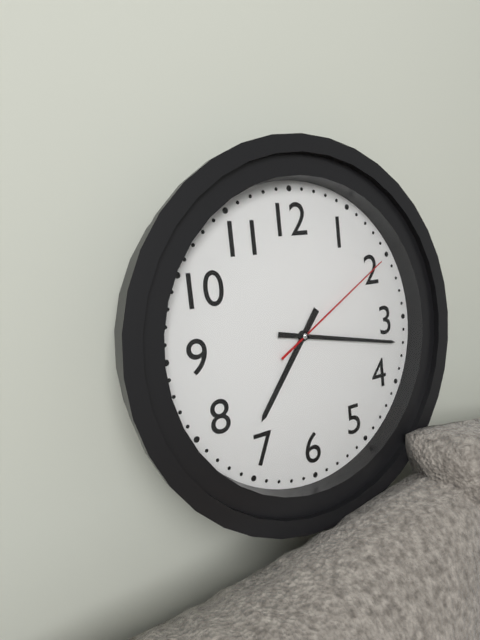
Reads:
7,17,10
